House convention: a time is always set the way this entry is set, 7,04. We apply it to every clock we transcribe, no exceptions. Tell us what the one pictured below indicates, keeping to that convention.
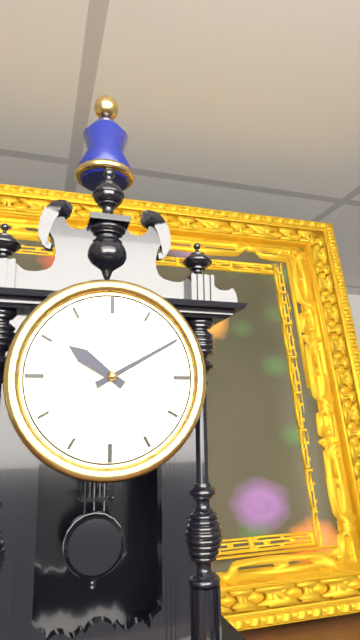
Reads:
10,10
